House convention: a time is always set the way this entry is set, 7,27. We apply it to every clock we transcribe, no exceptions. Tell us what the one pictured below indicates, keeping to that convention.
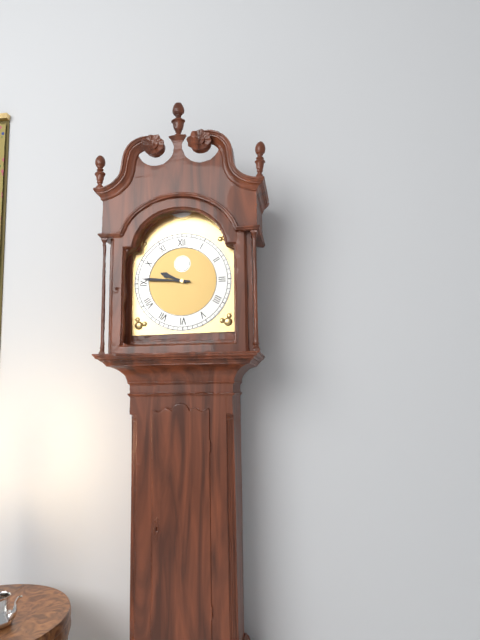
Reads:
9,46
